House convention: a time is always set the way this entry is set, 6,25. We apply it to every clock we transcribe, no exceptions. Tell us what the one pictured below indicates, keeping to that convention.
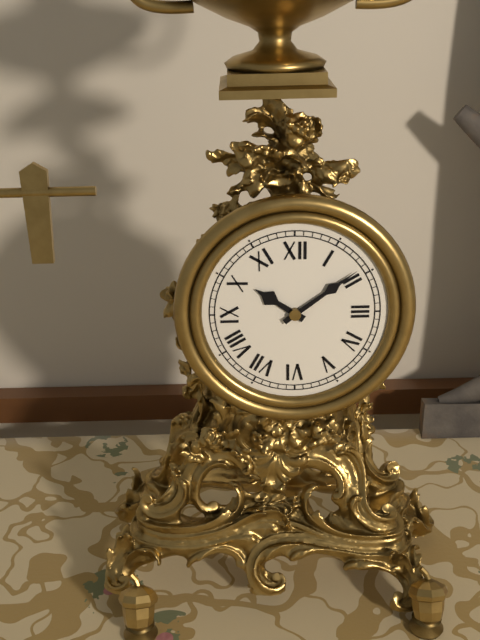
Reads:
10,09
